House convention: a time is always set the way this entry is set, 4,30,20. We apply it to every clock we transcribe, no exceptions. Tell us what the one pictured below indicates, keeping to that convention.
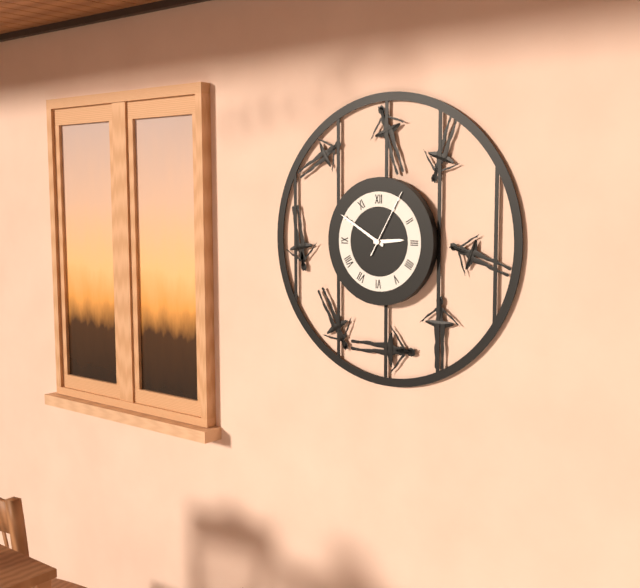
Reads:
2,50,05
